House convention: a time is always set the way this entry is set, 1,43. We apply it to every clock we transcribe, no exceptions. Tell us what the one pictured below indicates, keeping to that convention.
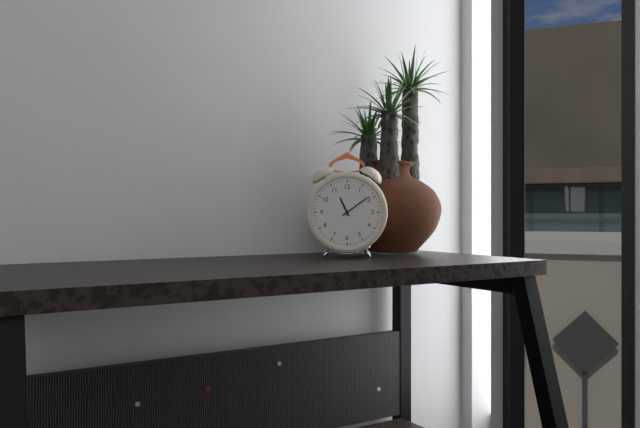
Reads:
11,09
